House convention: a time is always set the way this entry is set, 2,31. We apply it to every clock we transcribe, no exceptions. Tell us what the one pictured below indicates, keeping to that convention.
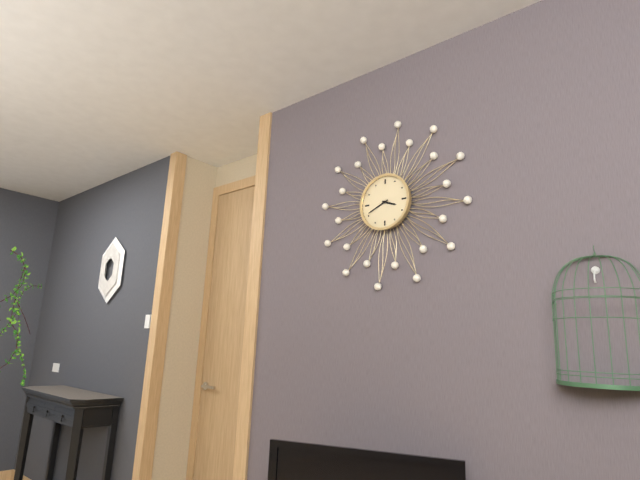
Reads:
3,41
